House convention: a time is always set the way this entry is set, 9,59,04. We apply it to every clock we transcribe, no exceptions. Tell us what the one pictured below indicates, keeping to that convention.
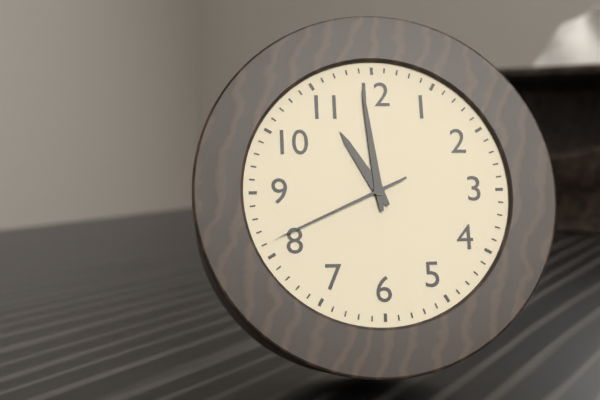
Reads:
10,59,41
